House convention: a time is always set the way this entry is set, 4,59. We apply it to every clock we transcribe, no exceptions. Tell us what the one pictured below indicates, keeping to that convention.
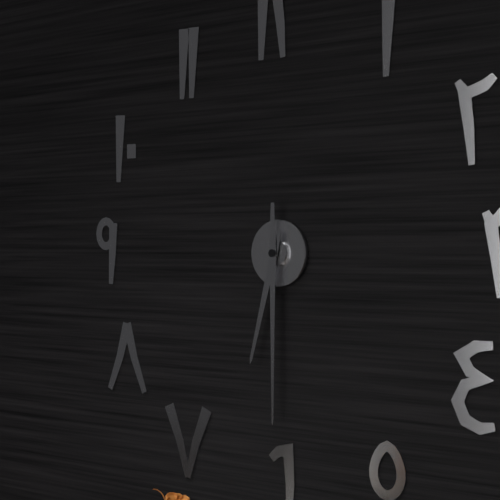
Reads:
6,30
